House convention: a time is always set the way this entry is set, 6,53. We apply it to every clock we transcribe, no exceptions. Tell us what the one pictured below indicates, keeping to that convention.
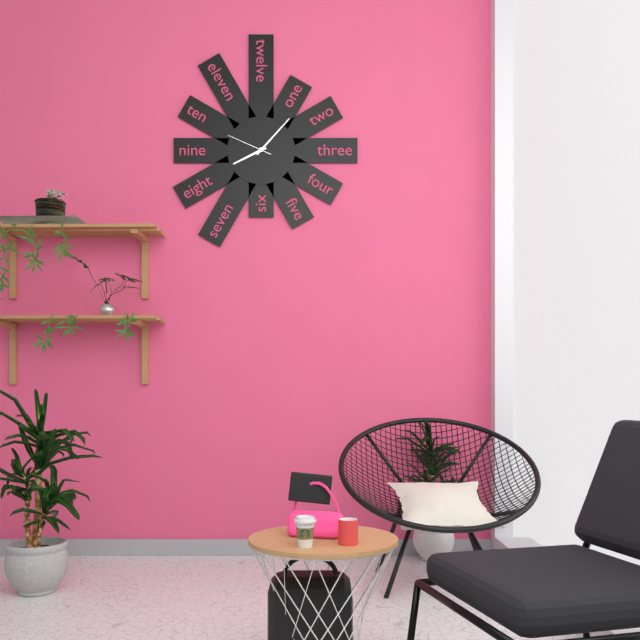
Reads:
8,07
